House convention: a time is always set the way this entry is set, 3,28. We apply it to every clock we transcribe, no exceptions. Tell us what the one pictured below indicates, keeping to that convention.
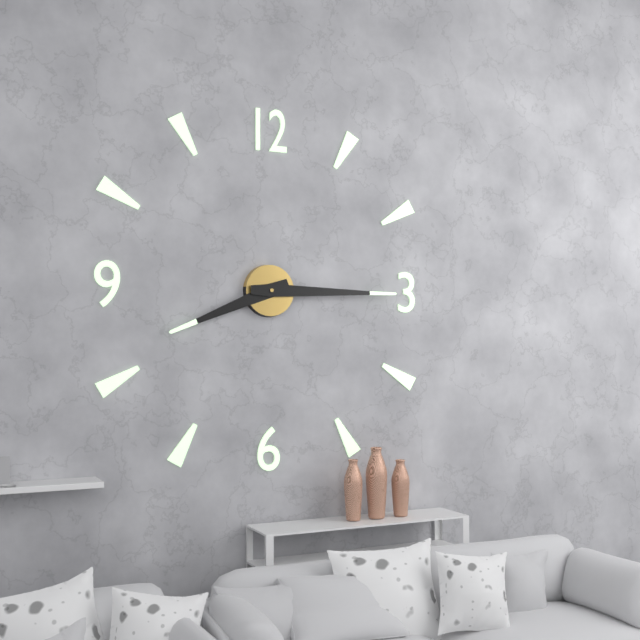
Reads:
8,15
